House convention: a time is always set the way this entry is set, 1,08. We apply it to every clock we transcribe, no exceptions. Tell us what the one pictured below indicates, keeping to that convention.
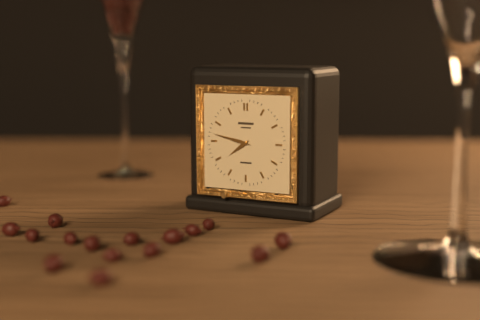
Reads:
7,47
